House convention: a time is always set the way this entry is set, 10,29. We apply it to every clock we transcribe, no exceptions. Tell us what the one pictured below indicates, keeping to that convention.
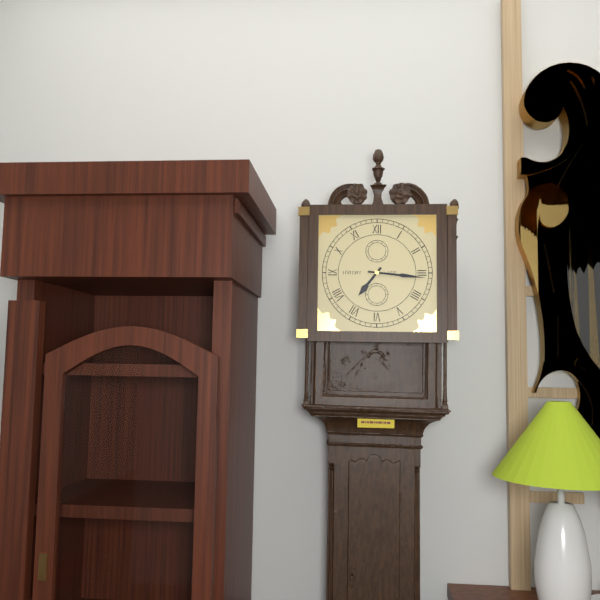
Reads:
7,16
